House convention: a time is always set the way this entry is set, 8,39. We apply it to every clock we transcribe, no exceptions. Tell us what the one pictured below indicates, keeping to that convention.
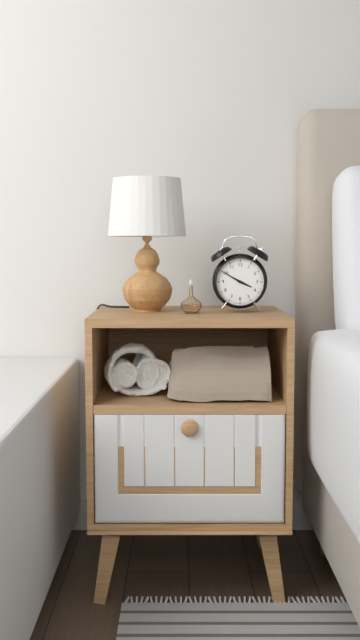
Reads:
3,50
